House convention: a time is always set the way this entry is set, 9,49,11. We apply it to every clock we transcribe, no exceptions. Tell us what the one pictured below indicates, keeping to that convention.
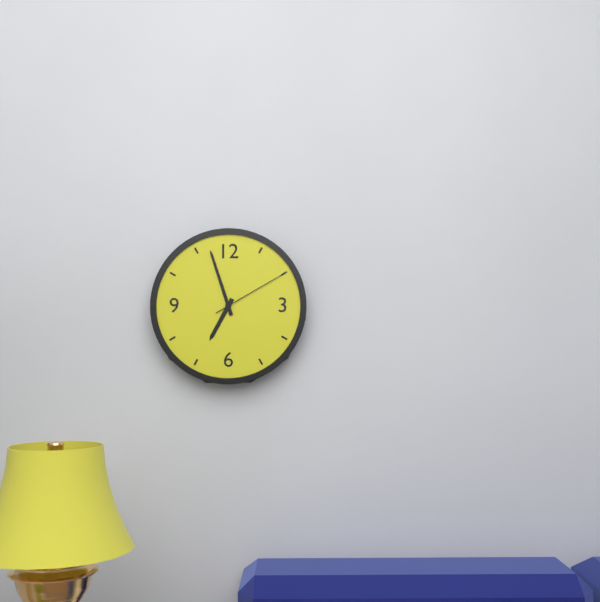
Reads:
6,57,10
